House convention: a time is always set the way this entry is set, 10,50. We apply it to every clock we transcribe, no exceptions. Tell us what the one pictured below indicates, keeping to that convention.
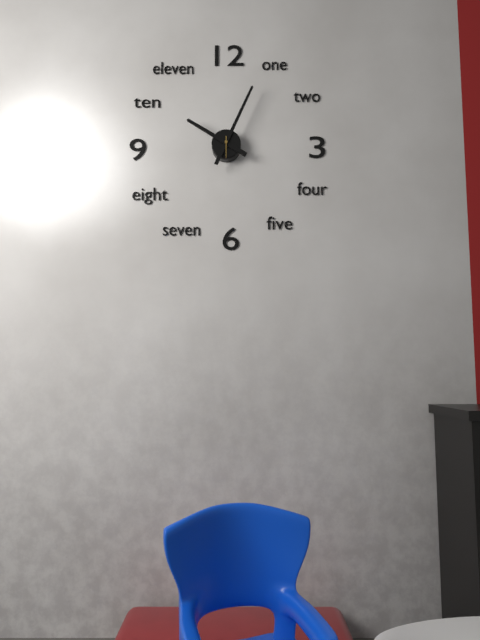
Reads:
10,04
